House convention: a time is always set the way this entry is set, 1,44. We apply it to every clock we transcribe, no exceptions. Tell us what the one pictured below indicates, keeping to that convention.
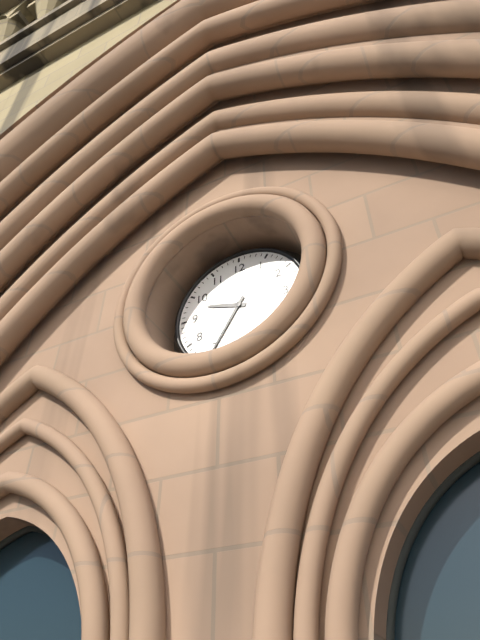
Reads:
9,35
